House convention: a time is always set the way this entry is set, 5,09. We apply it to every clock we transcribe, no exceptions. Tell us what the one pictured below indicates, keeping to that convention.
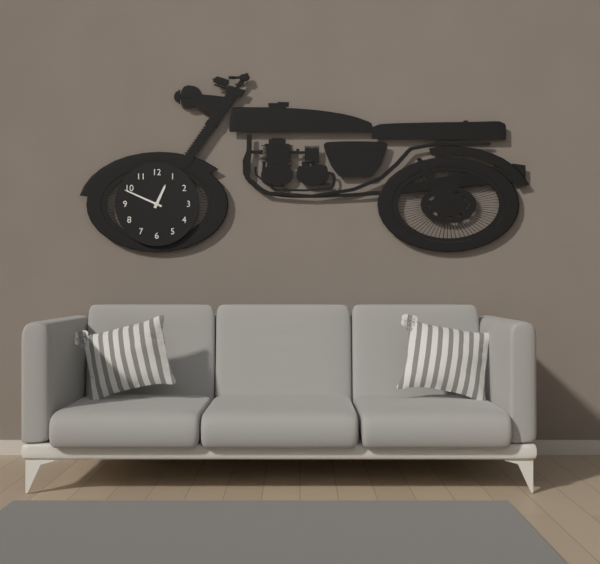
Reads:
12,49
